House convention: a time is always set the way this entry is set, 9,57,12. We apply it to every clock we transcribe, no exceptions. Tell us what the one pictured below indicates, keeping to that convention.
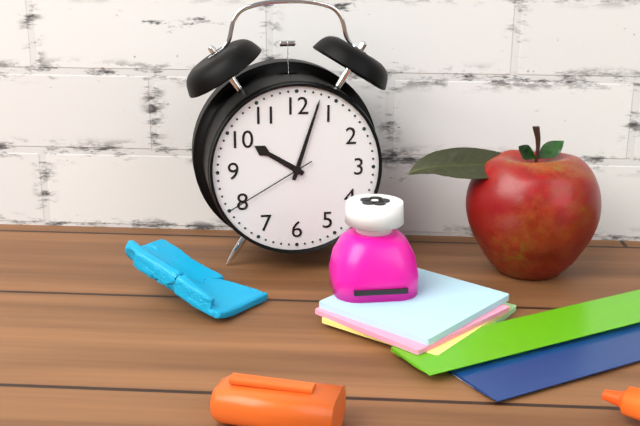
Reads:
10,03,40
